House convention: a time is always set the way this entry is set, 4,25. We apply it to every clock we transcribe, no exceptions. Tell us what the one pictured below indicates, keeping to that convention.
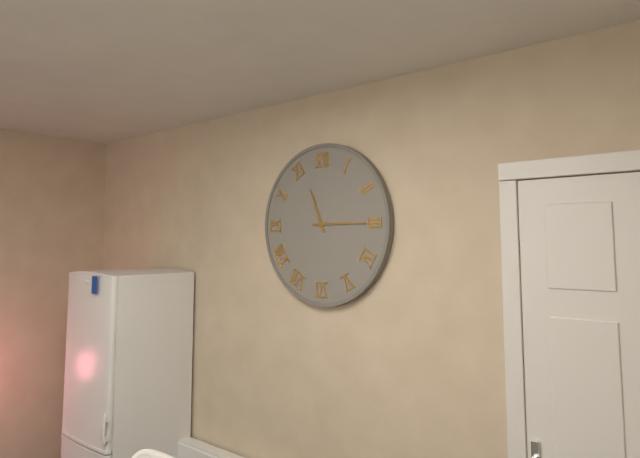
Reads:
11,15
